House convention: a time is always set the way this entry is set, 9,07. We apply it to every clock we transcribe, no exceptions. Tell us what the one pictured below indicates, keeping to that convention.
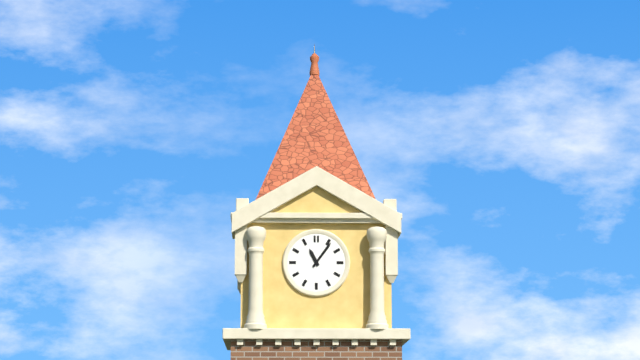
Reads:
11,06
